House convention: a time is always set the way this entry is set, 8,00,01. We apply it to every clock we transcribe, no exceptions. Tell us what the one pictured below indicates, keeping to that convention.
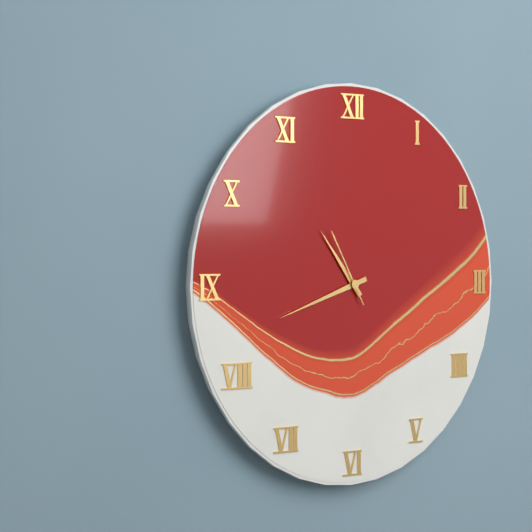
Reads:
10,42,55
